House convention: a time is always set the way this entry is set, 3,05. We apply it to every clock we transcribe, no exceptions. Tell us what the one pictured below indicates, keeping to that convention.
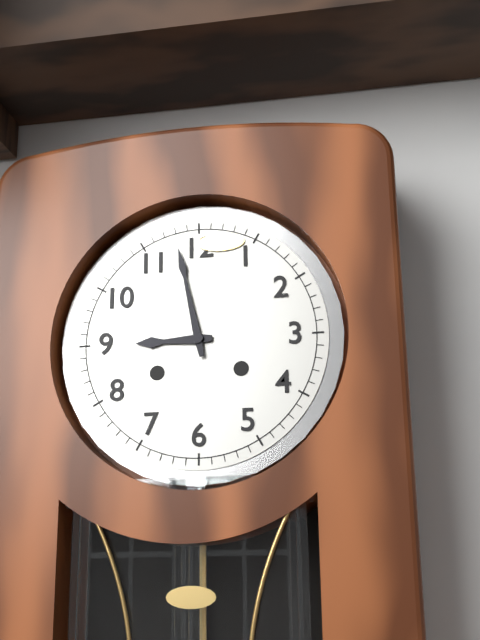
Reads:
8,58
